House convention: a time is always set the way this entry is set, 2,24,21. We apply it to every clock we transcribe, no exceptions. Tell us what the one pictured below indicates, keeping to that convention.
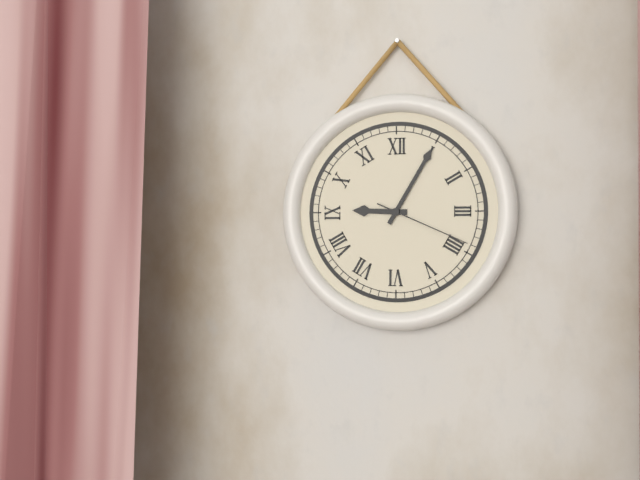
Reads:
9,05,19
